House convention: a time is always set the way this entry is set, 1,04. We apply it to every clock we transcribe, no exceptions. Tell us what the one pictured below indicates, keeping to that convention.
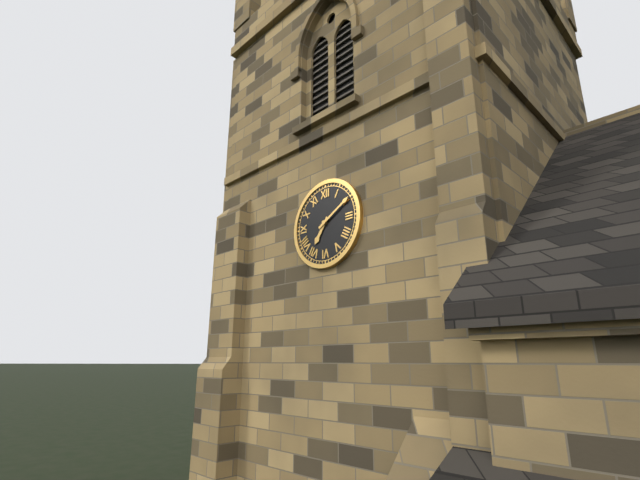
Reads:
7,10
